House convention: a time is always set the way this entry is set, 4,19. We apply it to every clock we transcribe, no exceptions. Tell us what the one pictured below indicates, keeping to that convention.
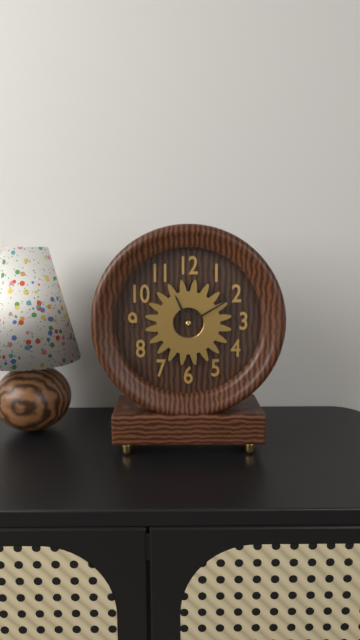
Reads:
11,10
